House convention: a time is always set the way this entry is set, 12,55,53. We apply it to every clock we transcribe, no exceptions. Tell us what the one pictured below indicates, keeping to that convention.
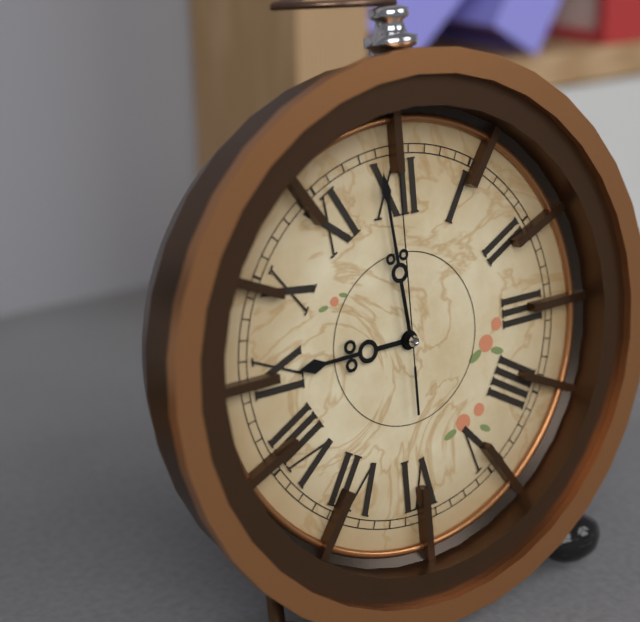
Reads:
8,59,00
